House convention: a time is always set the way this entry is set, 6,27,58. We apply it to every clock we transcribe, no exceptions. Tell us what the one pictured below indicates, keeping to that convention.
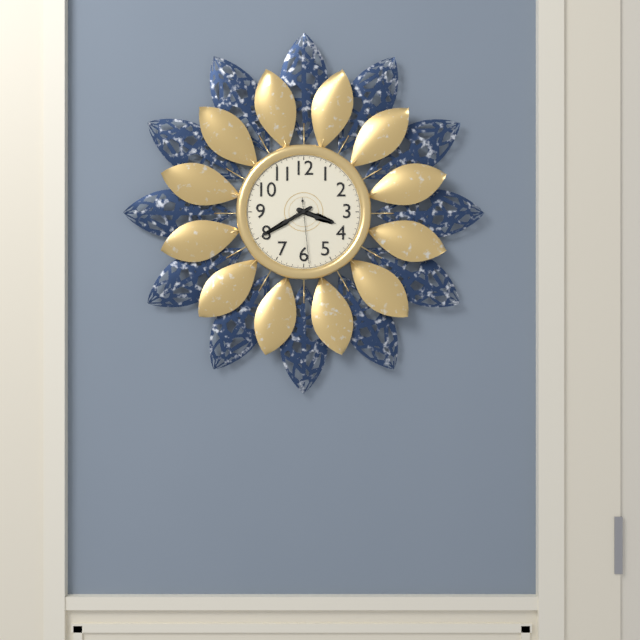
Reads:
3,40,29
